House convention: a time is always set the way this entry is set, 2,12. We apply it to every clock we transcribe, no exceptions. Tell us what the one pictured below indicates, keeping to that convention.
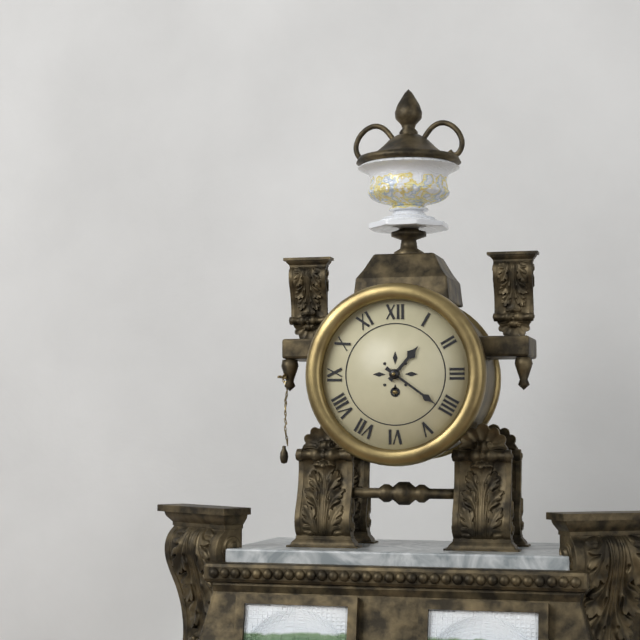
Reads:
1,21
